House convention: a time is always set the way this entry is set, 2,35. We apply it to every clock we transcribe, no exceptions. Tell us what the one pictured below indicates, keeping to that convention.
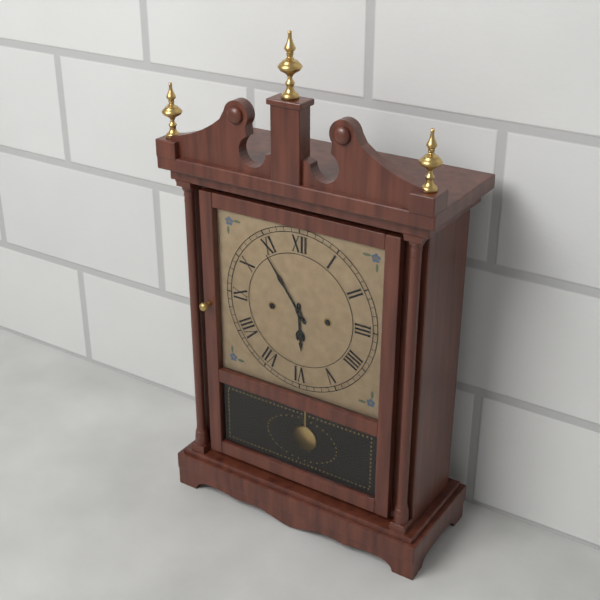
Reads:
5,54
